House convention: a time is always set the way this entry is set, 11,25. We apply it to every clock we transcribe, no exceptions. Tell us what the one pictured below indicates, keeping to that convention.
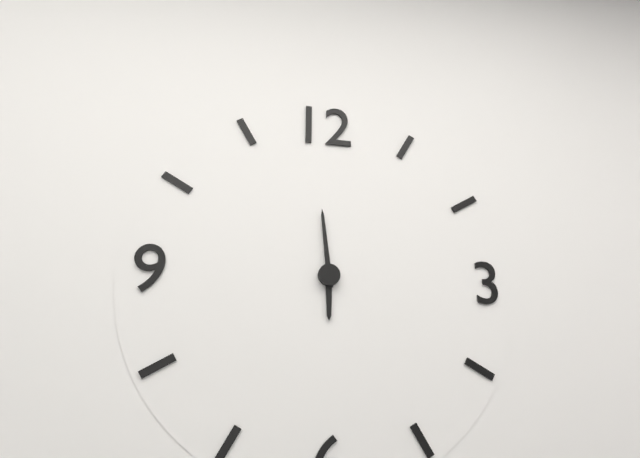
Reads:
5,59
